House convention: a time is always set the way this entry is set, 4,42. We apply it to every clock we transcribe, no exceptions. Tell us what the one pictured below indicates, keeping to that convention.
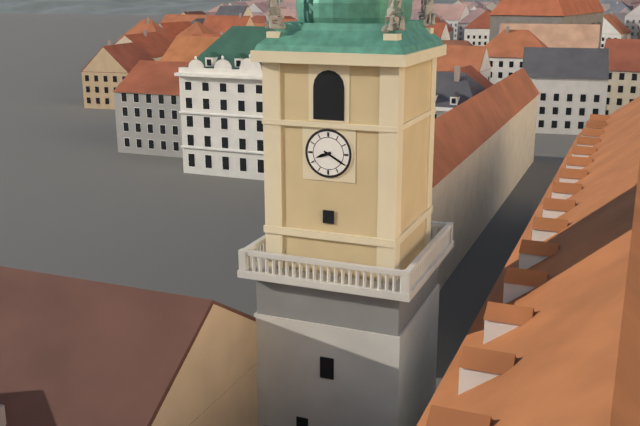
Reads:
8,20
